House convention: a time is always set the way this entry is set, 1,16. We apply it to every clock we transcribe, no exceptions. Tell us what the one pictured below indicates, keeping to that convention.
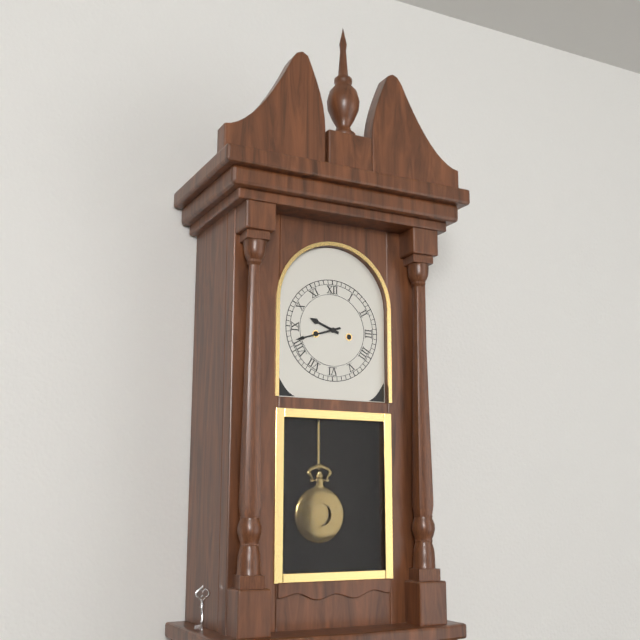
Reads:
9,42
